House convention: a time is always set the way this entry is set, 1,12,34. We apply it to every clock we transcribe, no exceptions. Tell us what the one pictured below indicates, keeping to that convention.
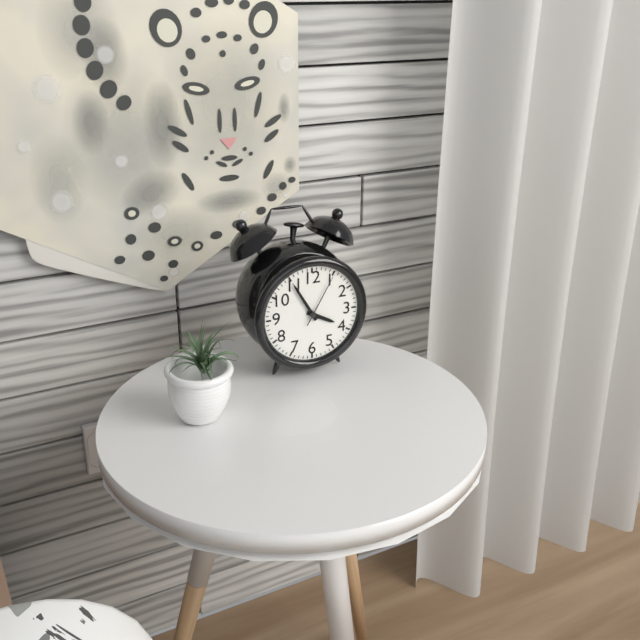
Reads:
3,55,05
